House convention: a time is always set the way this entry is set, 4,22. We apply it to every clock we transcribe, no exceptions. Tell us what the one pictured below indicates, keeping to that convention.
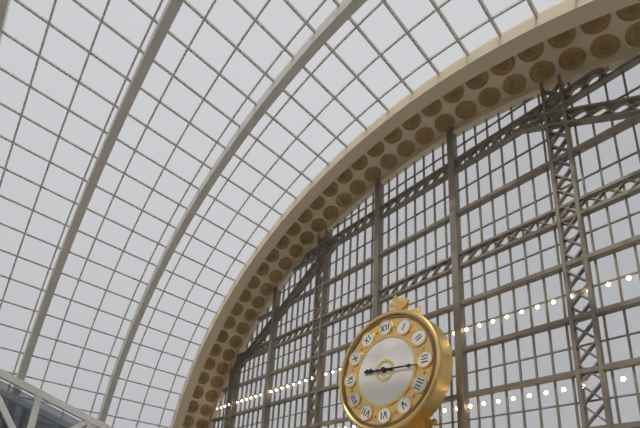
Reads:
9,16
